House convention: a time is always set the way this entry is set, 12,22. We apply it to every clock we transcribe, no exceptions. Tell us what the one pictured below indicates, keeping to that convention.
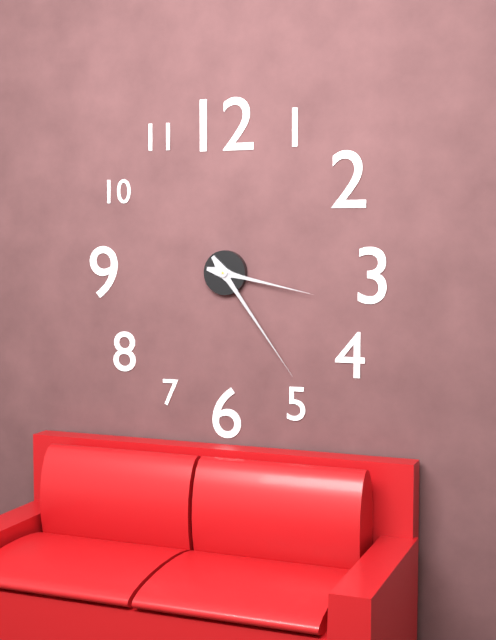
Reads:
3,24
